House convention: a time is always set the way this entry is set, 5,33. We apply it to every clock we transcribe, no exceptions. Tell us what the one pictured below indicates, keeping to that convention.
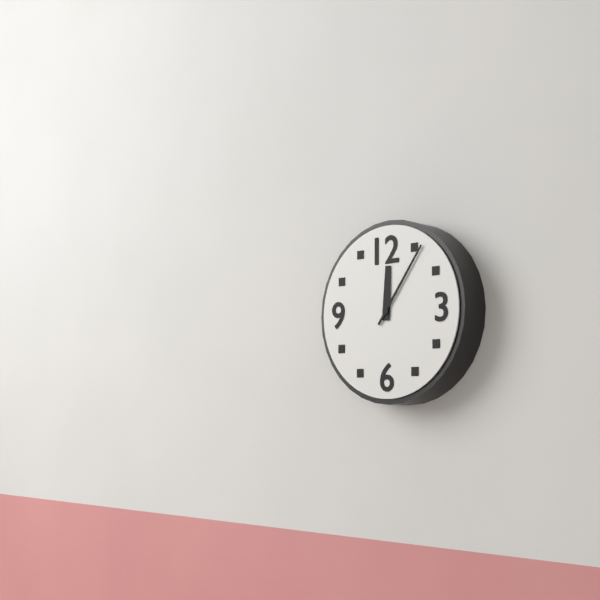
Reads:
12,06
